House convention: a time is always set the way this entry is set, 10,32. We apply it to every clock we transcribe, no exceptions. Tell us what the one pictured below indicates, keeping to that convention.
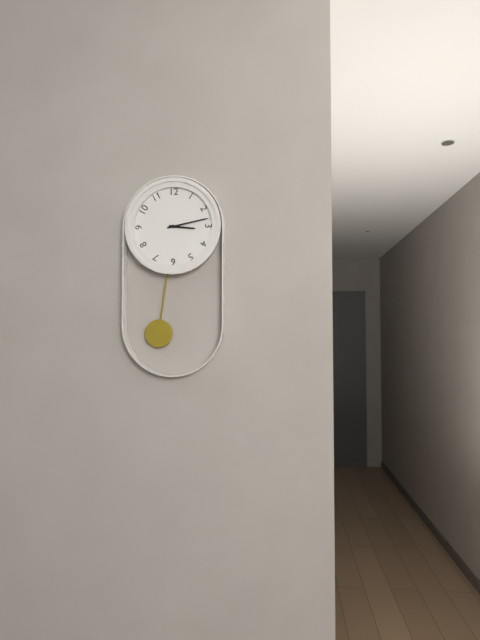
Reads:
3,13
